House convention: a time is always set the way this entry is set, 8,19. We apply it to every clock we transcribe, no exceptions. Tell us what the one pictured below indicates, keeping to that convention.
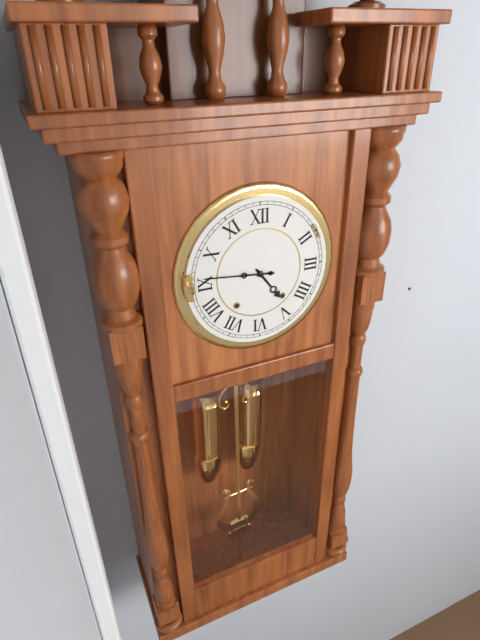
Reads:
4,46
